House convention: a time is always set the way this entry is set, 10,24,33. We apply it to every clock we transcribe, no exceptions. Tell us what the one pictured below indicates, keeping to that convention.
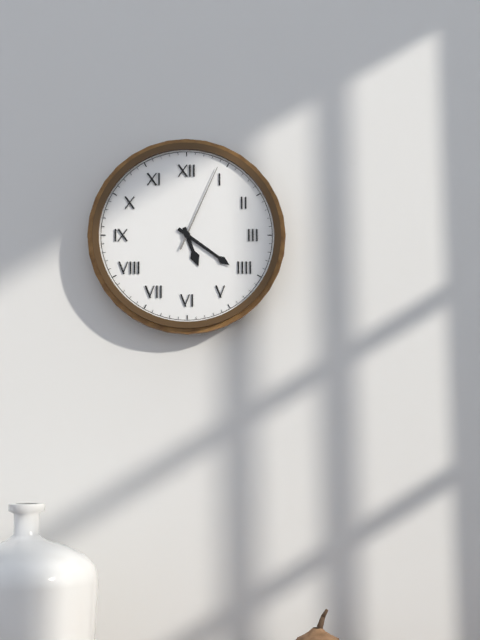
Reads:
5,21,04
